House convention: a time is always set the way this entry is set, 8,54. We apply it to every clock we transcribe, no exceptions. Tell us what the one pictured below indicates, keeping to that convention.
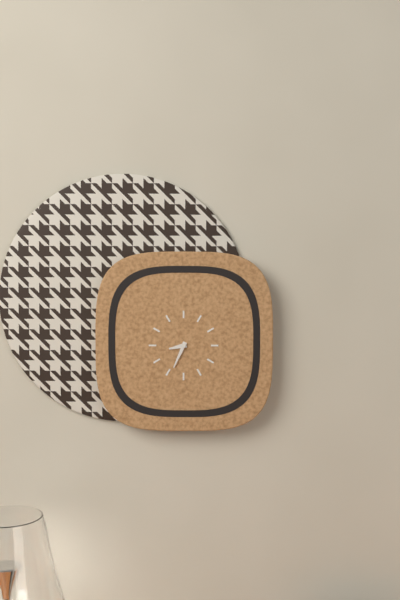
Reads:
8,34
